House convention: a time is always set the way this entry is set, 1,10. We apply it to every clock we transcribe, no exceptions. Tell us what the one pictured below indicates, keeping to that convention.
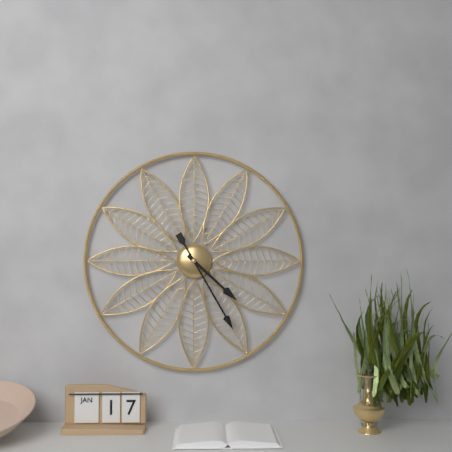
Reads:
4,25
